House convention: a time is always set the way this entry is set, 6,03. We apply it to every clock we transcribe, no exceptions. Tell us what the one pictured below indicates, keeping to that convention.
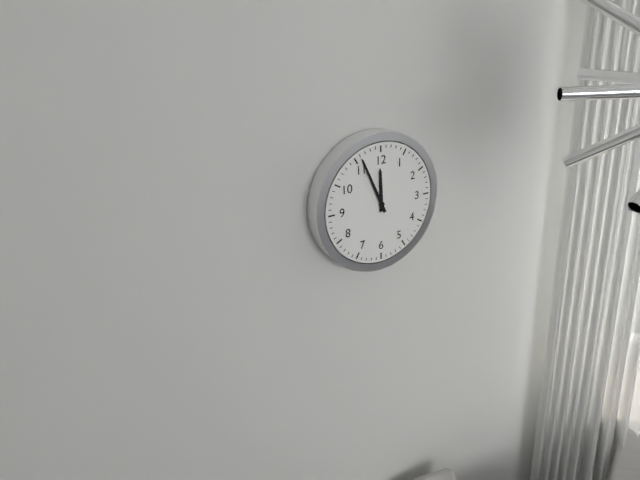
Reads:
11,56
